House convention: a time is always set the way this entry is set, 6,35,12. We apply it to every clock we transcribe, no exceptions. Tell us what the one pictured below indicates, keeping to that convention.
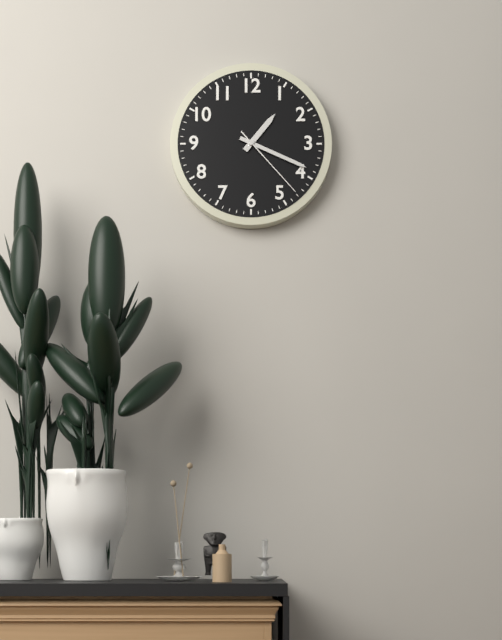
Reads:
1,19,23
